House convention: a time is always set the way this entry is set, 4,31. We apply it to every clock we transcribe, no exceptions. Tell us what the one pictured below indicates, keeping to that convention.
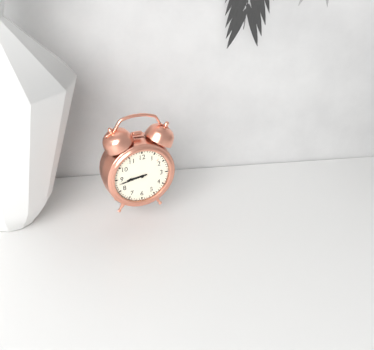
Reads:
8,43
